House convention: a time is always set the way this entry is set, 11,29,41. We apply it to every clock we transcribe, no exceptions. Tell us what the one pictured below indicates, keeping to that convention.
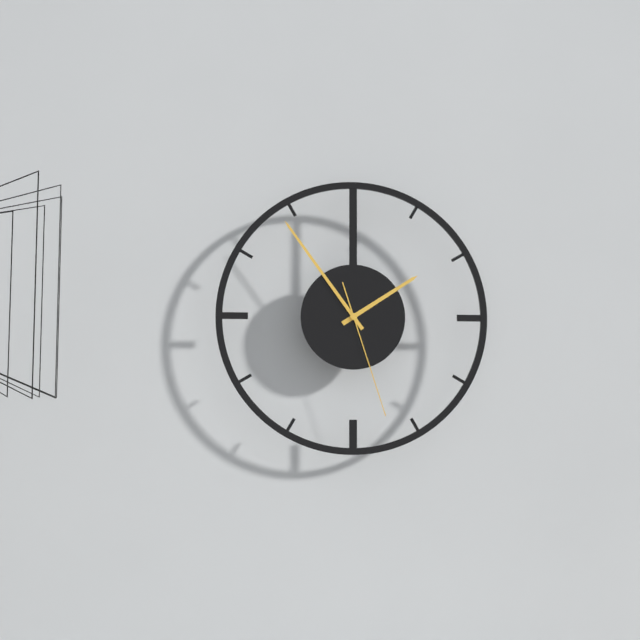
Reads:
1,54,27
